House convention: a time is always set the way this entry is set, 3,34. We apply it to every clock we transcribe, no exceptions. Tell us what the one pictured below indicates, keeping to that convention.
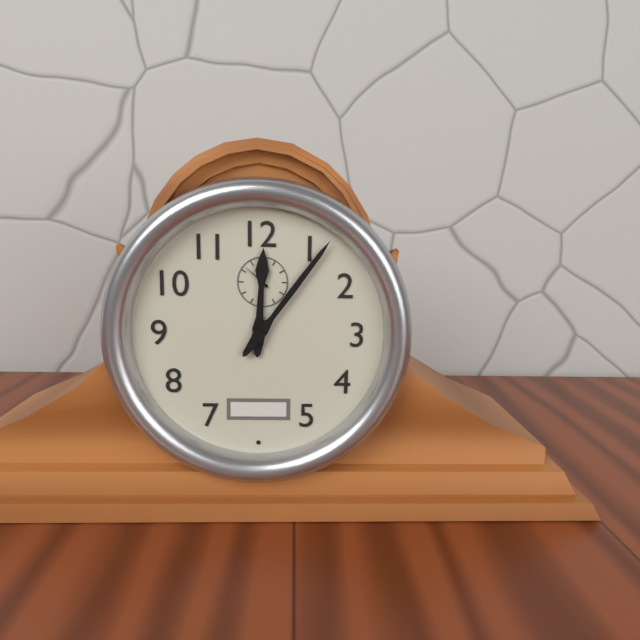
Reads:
12,06
